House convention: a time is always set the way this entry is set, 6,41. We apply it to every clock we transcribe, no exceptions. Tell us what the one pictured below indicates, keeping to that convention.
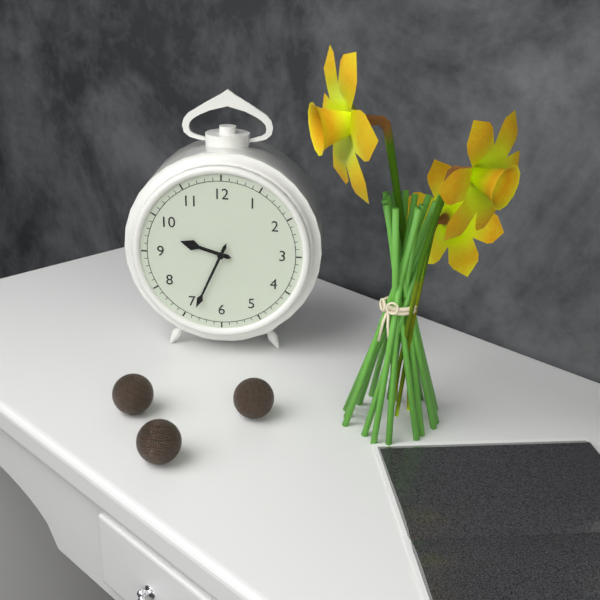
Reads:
9,34
